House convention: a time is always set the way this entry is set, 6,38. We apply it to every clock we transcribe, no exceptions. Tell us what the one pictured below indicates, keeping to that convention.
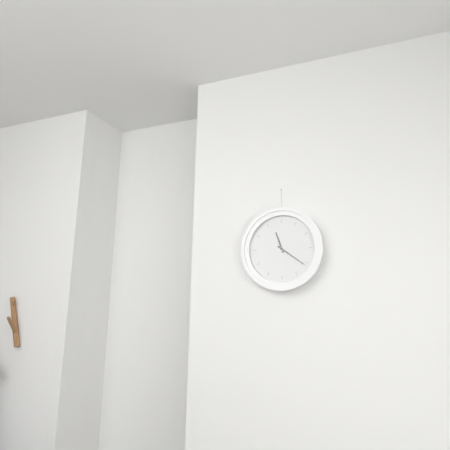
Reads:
11,21
